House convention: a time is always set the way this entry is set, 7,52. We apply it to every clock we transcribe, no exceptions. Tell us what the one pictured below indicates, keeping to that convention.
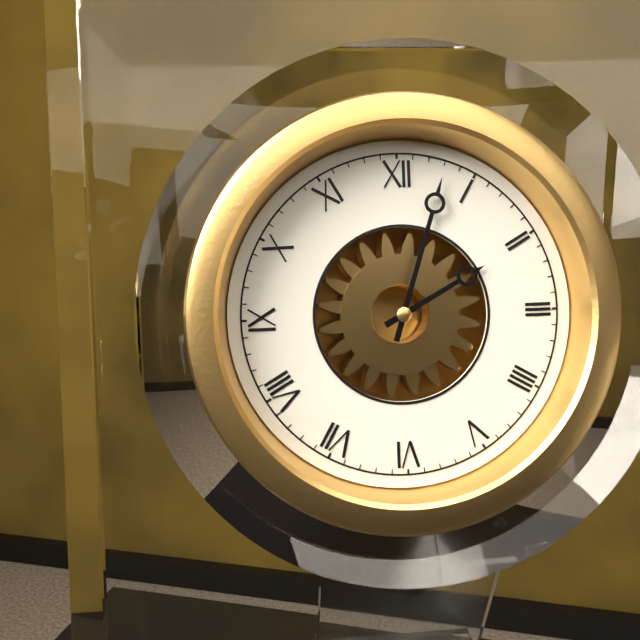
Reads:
2,03
